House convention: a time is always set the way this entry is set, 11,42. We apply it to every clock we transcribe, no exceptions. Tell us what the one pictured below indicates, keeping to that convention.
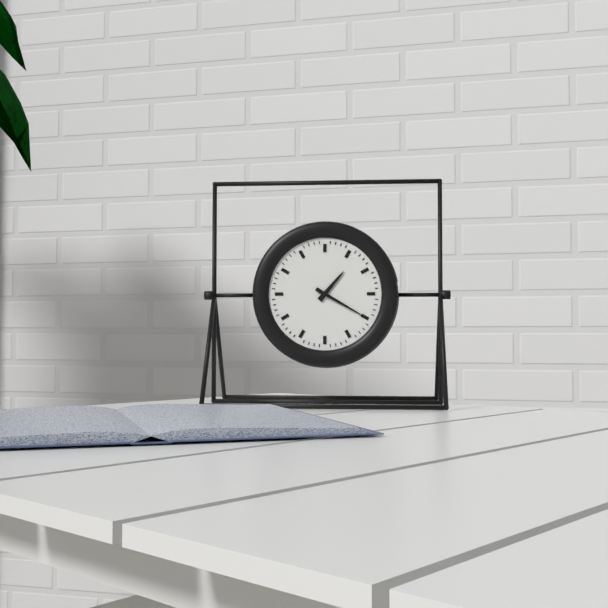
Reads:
1,20
